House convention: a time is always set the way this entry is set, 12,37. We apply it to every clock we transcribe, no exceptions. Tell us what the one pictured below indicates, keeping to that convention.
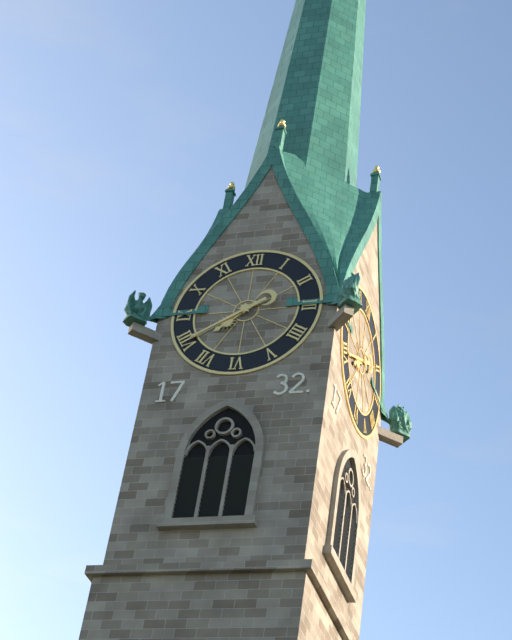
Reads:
7,40
